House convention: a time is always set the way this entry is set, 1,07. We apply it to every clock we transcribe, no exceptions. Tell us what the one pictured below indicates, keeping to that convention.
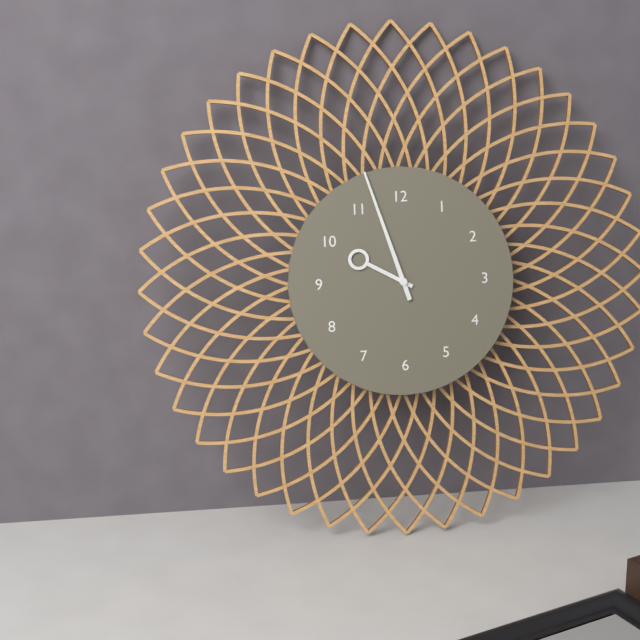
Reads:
9,57
